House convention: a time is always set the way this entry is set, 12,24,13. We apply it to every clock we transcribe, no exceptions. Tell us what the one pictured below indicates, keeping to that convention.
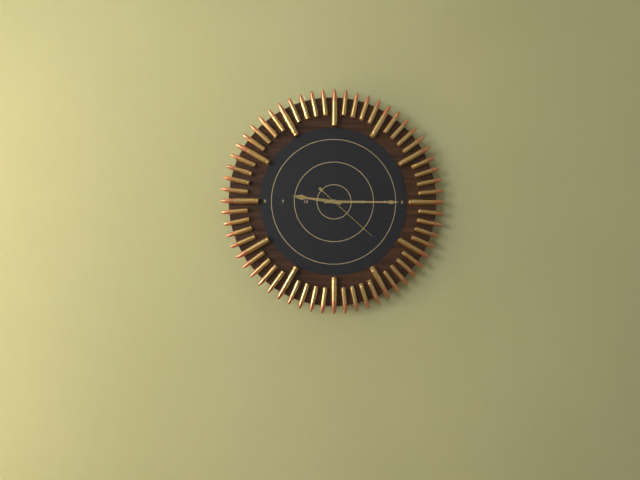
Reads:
9,15,22
